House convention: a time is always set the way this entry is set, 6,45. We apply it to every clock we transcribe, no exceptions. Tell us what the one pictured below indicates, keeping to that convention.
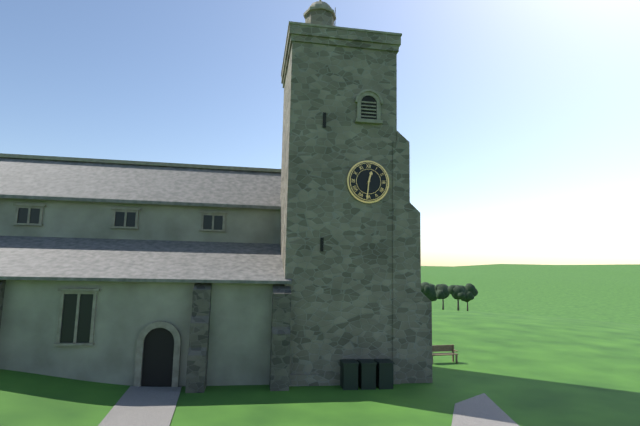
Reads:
12,31
